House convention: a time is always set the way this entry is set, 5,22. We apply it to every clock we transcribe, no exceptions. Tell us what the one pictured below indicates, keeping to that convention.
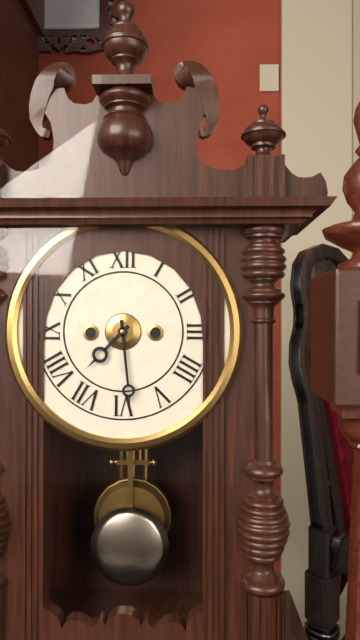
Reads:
7,29
